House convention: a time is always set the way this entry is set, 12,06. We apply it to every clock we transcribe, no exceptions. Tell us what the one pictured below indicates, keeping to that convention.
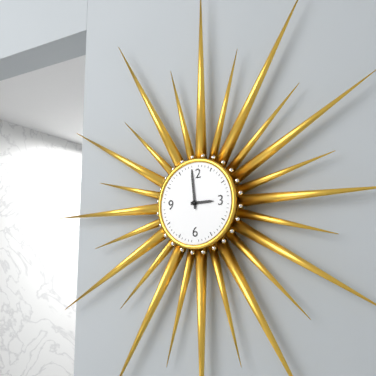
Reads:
2,59
